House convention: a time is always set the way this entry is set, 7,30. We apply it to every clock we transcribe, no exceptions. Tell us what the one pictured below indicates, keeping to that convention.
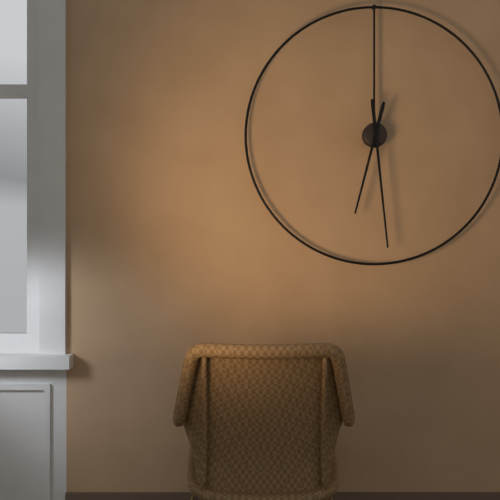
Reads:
6,29
